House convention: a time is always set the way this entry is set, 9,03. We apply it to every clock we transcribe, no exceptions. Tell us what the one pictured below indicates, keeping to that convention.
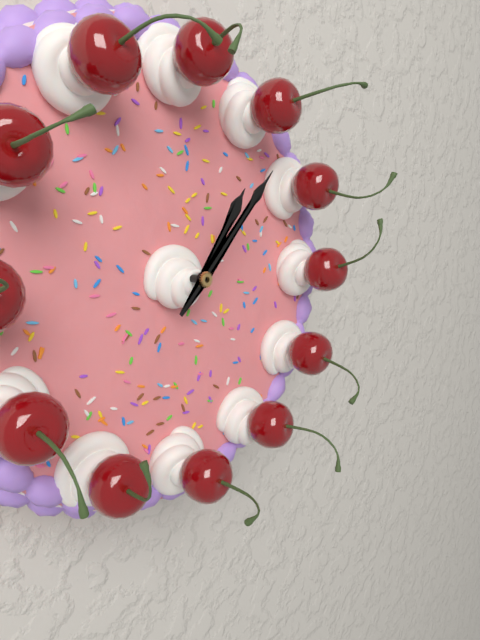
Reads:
1,07
